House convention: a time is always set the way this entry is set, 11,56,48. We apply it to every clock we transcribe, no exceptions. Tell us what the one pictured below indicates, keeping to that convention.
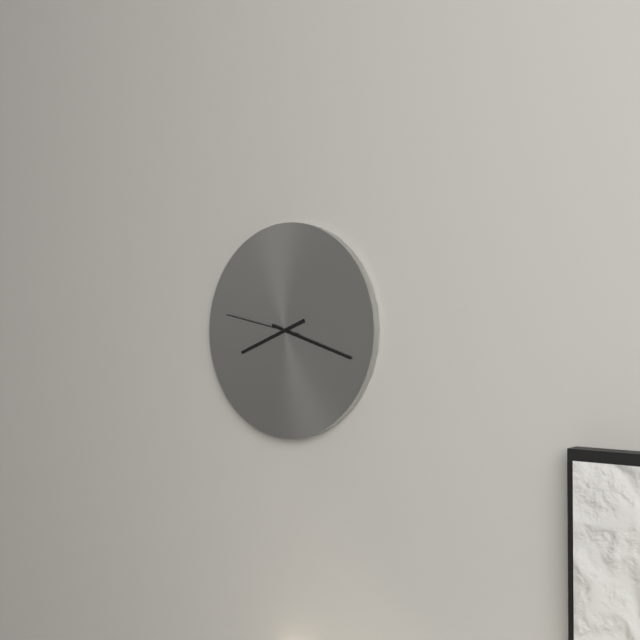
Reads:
8,18,47
